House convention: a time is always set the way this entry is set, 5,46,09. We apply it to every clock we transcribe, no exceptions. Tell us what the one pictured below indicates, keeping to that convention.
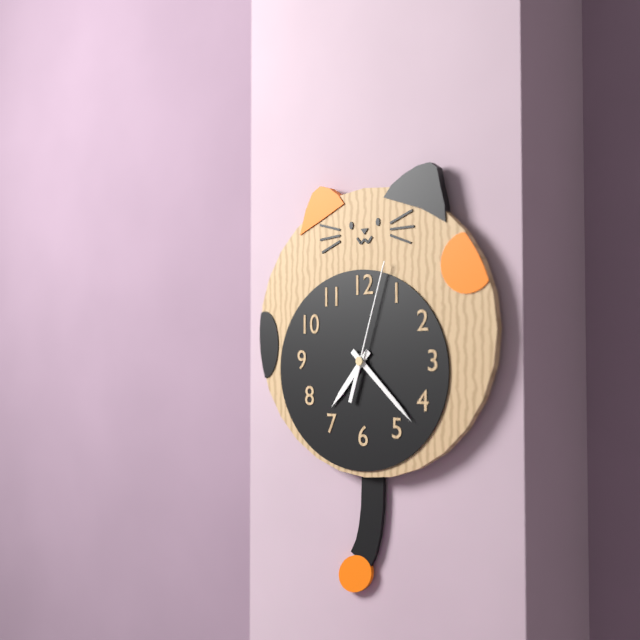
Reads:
7,22,03
